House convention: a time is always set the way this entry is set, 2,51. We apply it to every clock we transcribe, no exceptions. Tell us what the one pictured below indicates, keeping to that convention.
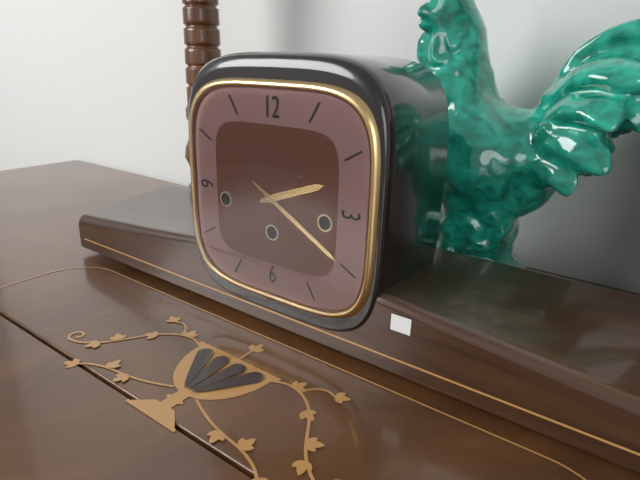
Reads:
2,20
